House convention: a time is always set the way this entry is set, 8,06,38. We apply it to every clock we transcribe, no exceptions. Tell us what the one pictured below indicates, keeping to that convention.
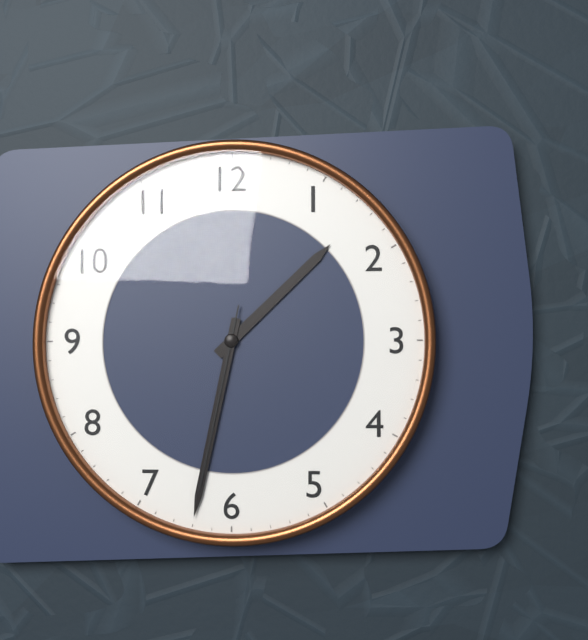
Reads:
1,32,32
